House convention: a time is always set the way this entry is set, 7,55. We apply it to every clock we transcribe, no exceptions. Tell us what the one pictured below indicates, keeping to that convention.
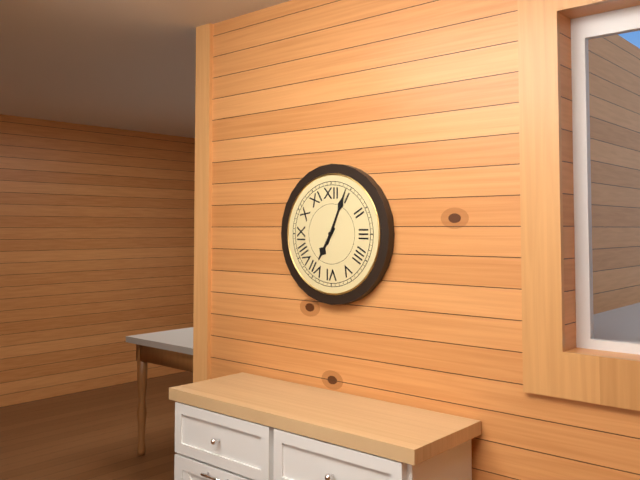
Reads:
7,04
